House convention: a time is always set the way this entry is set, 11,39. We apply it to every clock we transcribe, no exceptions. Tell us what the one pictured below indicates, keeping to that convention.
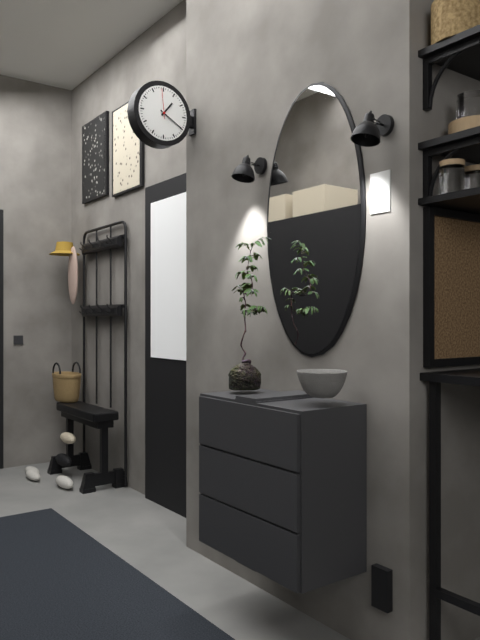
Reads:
1,20
